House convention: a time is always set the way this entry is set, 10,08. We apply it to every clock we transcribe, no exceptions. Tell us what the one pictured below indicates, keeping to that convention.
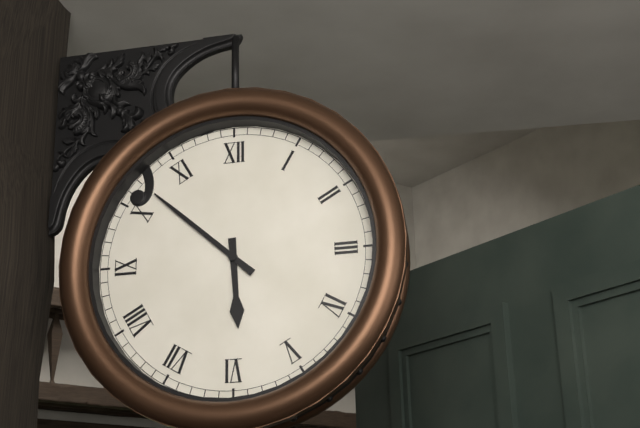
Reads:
5,52
